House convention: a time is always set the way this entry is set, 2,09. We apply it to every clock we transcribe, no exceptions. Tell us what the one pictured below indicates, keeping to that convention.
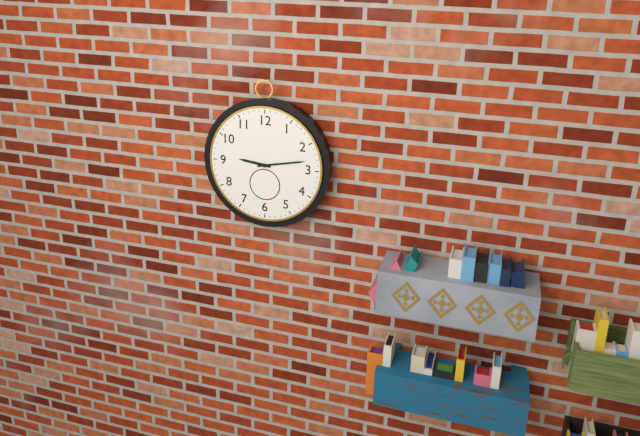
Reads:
9,13
